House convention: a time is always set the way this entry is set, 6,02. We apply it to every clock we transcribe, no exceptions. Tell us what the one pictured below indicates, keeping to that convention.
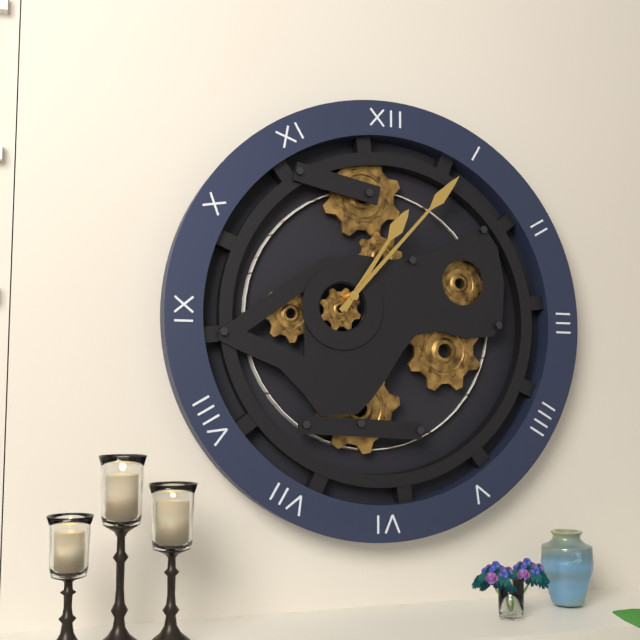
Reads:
1,07
